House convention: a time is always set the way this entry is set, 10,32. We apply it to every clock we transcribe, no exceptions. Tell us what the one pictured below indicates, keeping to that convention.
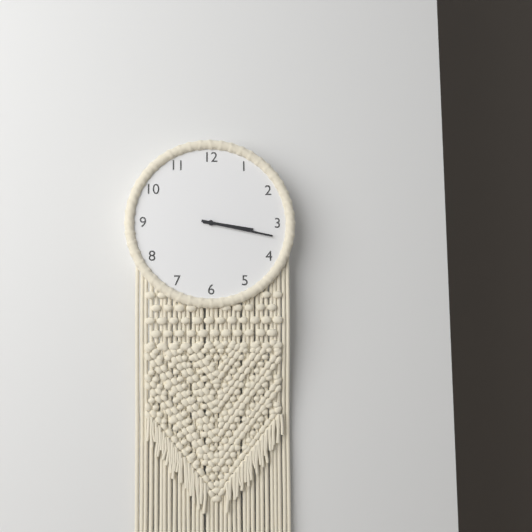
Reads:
3,17
